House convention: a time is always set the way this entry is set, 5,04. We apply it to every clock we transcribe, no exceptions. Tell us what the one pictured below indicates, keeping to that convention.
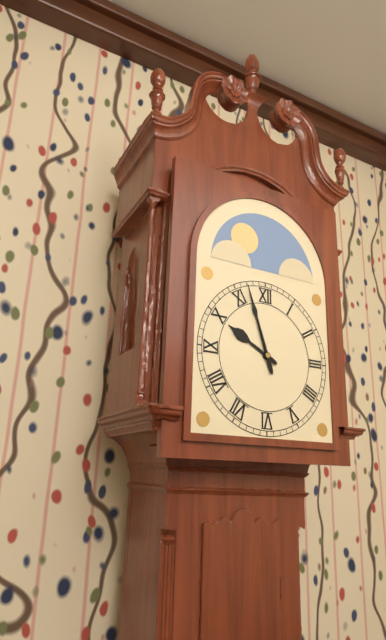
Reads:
9,57
